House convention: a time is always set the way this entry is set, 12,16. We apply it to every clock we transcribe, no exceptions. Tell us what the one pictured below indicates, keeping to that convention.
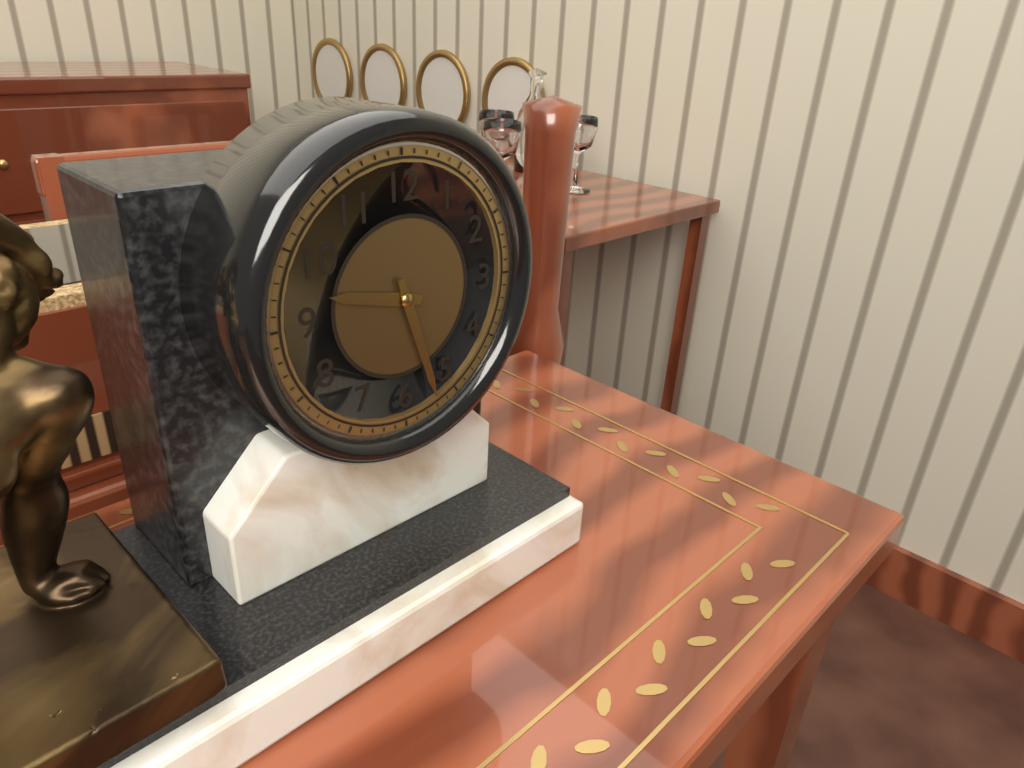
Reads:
9,27
